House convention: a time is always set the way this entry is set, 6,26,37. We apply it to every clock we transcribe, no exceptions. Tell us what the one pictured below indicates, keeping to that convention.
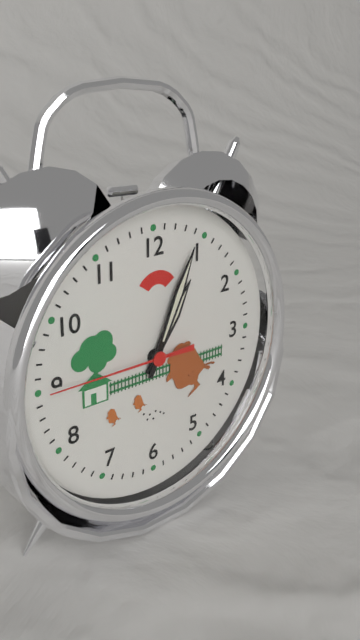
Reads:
1,04,45
